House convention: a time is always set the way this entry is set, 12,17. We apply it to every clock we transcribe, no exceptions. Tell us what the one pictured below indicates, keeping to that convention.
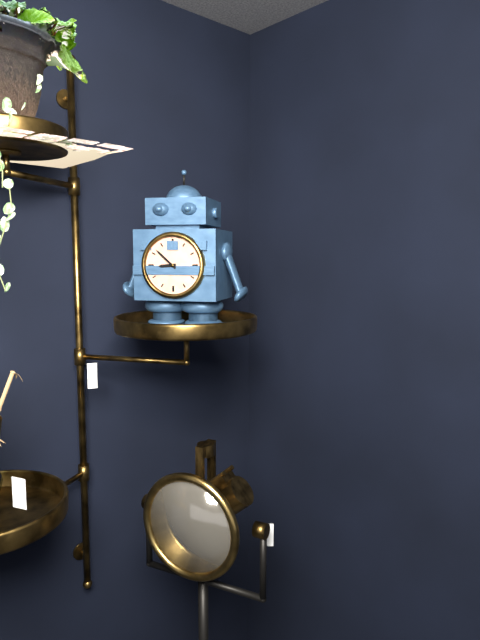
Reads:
8,52
